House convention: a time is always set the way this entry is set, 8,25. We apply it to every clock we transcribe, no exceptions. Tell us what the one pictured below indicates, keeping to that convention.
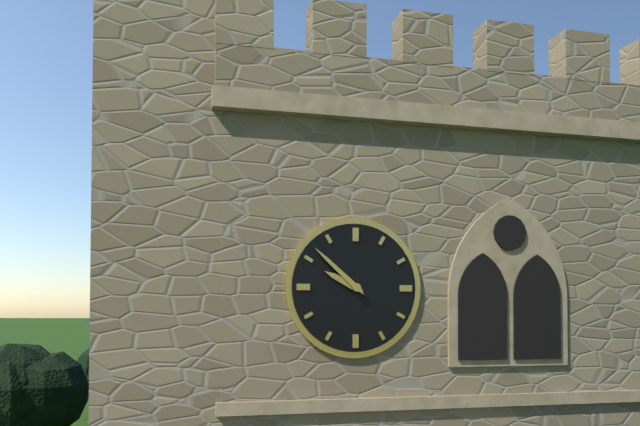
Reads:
9,52
